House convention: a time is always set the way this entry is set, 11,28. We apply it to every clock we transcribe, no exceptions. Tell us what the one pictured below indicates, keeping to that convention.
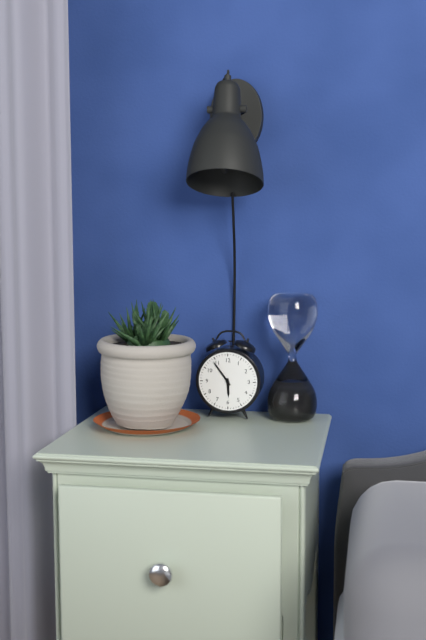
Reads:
5,54
